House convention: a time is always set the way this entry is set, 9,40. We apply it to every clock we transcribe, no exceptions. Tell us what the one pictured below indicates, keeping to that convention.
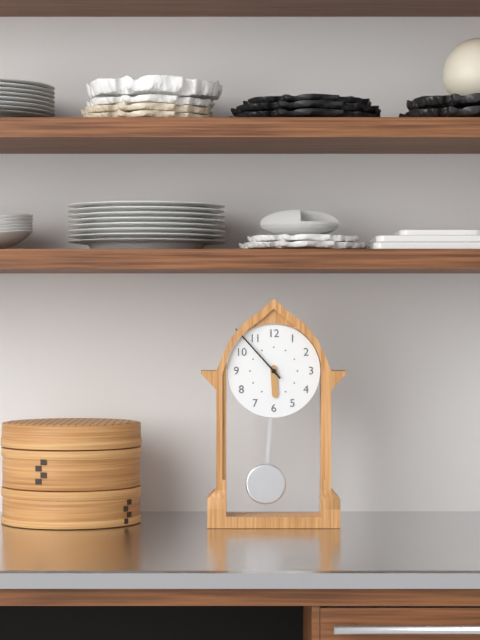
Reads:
5,53
